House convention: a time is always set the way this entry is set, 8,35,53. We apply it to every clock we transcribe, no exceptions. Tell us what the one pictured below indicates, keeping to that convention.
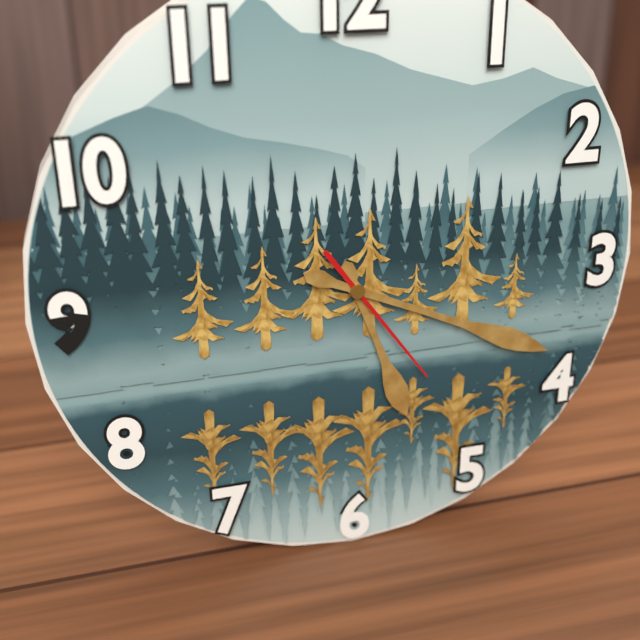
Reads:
5,19,24
